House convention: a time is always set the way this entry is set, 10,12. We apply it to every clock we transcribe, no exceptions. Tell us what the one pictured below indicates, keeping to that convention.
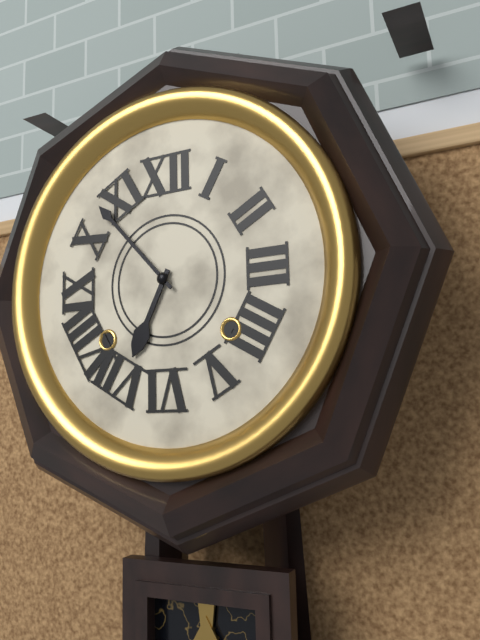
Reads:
6,53
